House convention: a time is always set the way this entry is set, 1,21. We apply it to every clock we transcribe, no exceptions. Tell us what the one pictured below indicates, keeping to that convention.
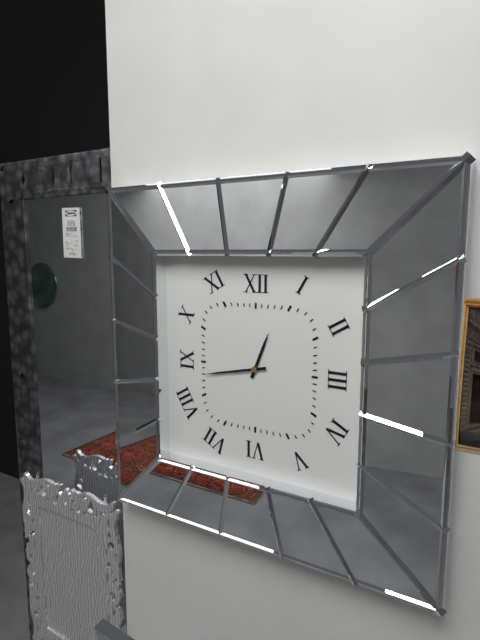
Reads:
12,43
